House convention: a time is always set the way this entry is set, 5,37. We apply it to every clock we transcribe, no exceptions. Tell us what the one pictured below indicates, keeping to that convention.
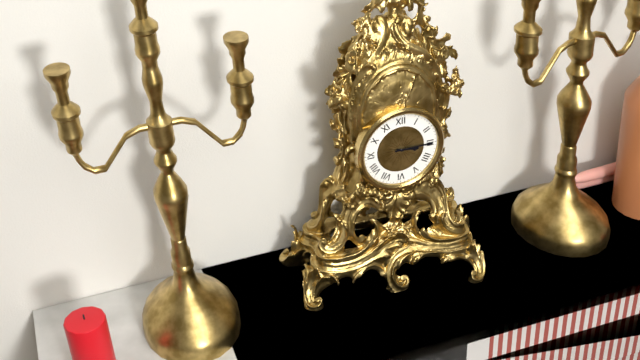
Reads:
3,15
